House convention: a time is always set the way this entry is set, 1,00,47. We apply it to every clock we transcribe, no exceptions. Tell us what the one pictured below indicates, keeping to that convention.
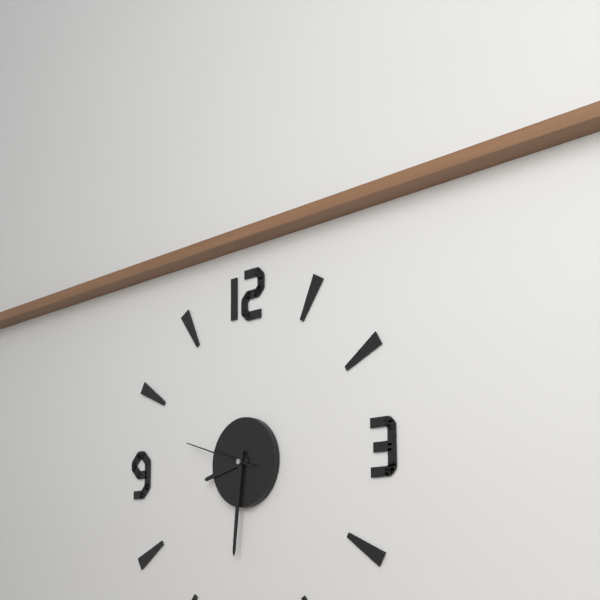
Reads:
8,31,48
